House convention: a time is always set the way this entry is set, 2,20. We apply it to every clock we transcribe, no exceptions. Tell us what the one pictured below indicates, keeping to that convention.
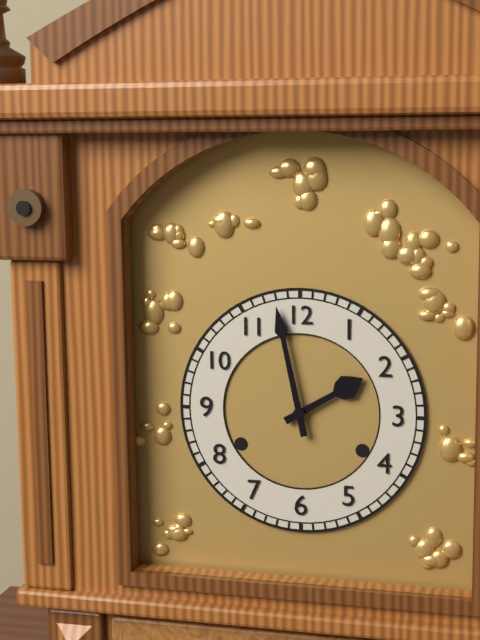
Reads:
1,58
